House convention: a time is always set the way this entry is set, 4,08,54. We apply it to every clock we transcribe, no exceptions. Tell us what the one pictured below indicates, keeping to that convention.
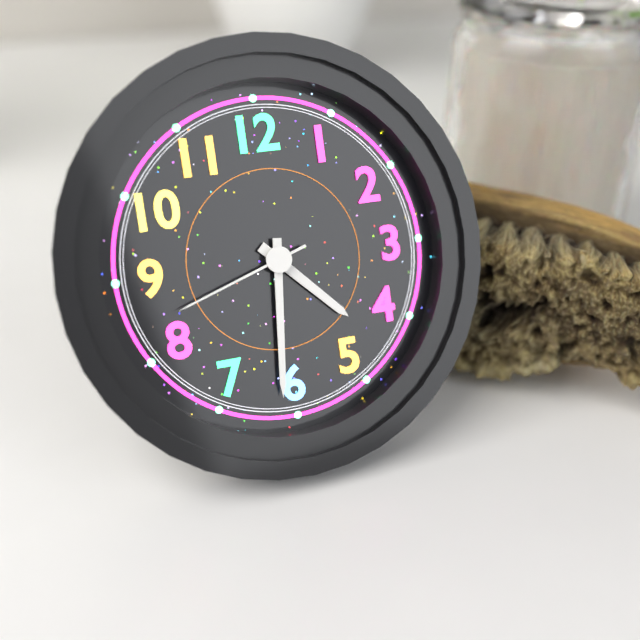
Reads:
4,31,42
